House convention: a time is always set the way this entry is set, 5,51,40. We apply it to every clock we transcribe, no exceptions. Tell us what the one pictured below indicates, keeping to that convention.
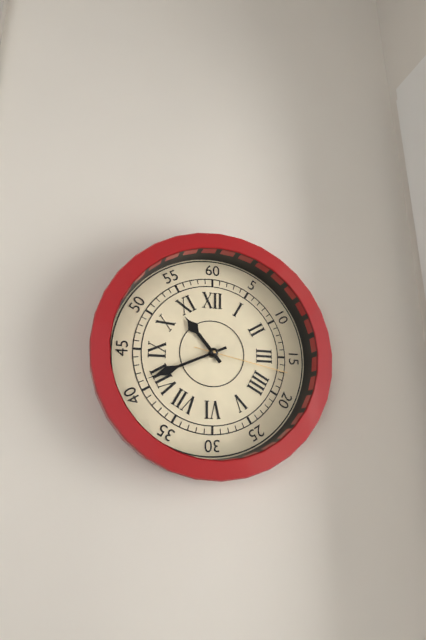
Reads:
10,41,17
